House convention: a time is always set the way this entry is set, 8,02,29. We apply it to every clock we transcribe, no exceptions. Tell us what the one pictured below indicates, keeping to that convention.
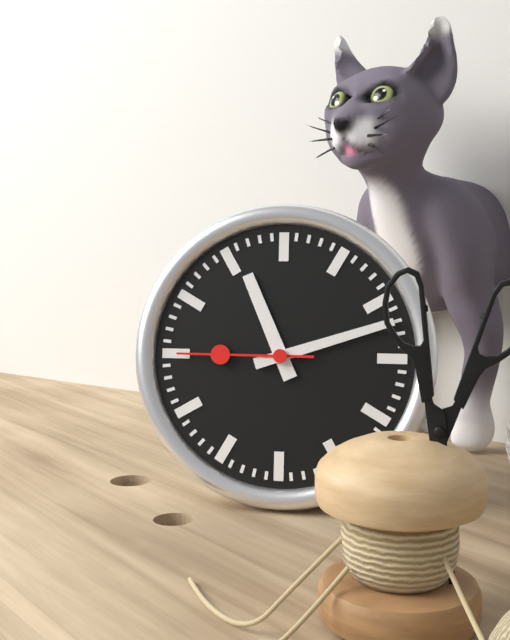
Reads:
11,12,45
